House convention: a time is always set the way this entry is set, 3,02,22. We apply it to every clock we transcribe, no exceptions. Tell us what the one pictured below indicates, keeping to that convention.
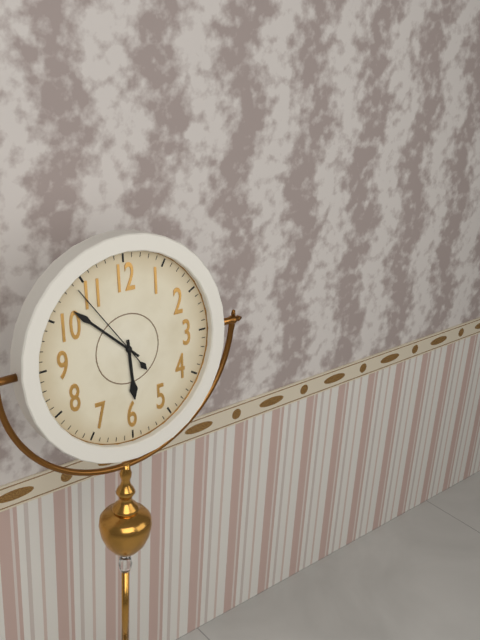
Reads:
5,52,54
